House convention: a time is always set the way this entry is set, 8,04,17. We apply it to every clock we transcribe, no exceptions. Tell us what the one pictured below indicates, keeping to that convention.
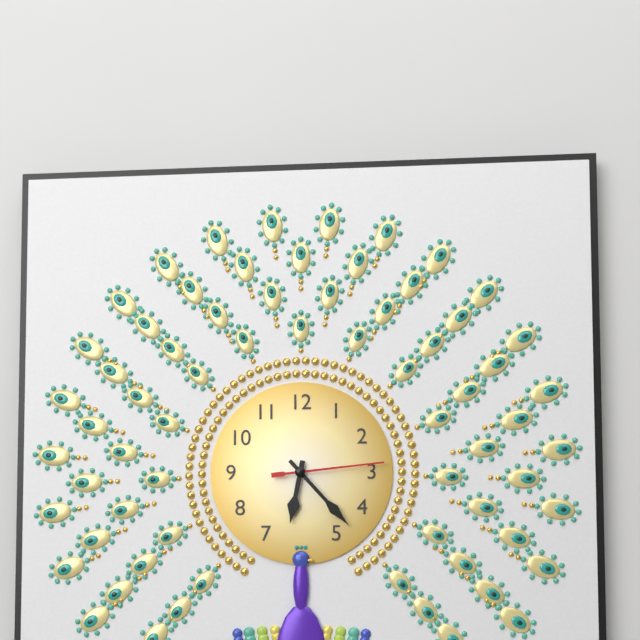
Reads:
6,23,14
